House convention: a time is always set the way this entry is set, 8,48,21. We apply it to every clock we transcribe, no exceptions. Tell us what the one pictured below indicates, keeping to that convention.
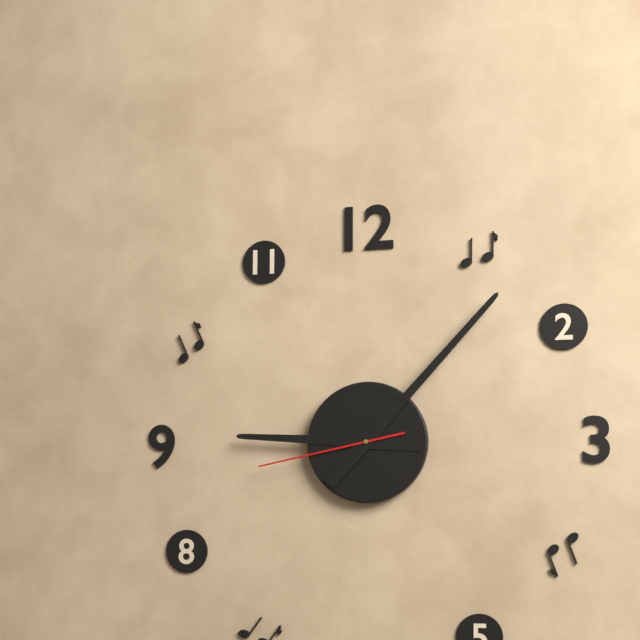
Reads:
9,07,43
